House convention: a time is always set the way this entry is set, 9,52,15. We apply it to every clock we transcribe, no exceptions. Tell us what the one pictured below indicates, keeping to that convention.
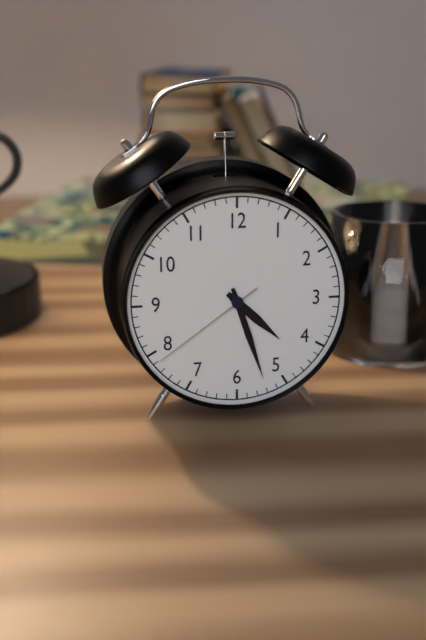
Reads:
4,27,39
